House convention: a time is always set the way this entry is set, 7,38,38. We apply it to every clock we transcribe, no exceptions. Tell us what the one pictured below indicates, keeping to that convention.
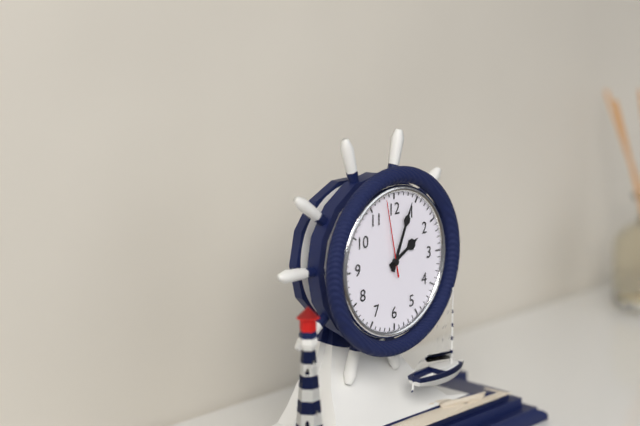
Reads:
2,04,58
